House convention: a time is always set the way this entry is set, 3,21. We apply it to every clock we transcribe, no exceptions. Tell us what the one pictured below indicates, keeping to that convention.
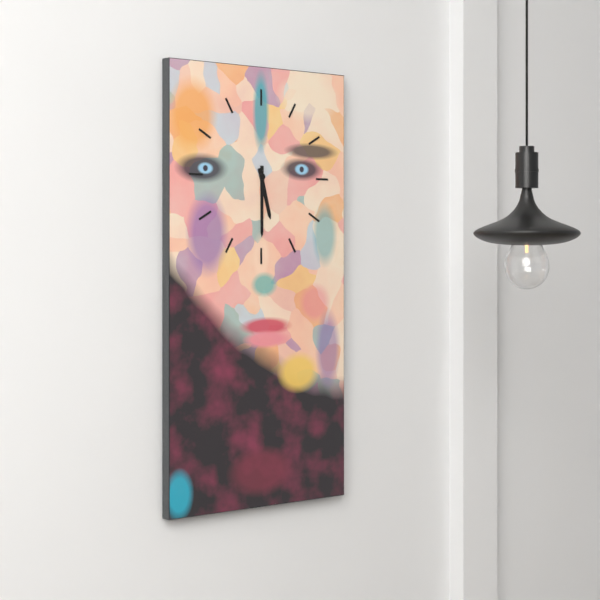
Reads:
5,30
